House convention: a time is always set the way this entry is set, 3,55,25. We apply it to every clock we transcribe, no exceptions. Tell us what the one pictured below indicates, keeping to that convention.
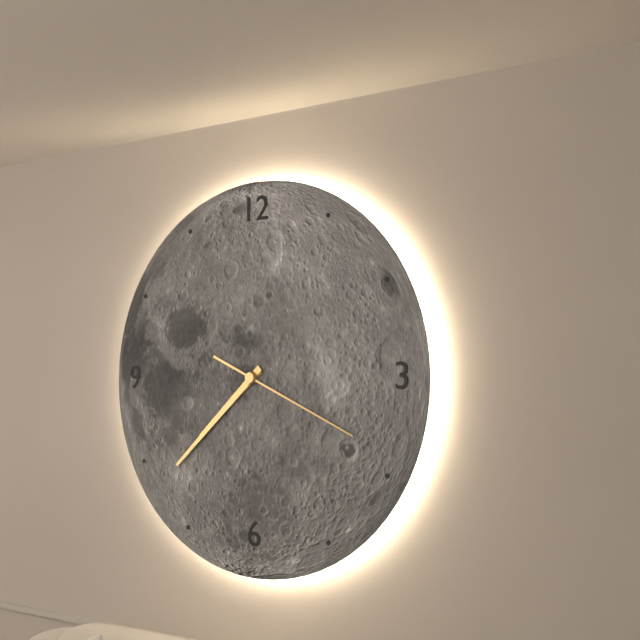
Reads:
7,38,19
